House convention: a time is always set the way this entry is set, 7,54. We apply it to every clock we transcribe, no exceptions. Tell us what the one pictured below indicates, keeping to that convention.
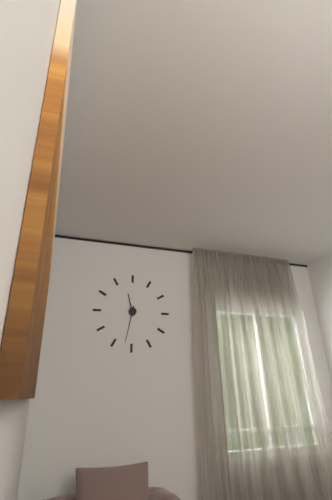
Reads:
11,32
